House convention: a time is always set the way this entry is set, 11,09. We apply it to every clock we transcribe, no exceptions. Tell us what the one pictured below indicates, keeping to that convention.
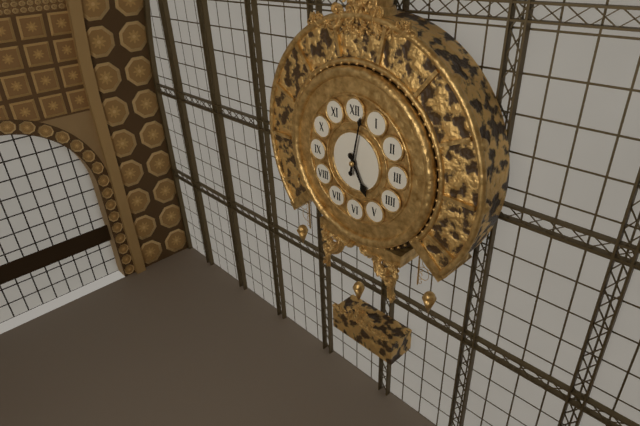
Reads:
5,02
